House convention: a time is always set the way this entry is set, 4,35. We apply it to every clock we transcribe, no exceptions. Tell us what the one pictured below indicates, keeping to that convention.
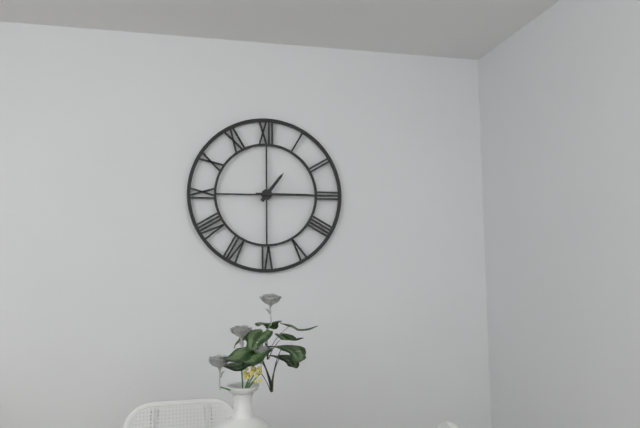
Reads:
1,15
